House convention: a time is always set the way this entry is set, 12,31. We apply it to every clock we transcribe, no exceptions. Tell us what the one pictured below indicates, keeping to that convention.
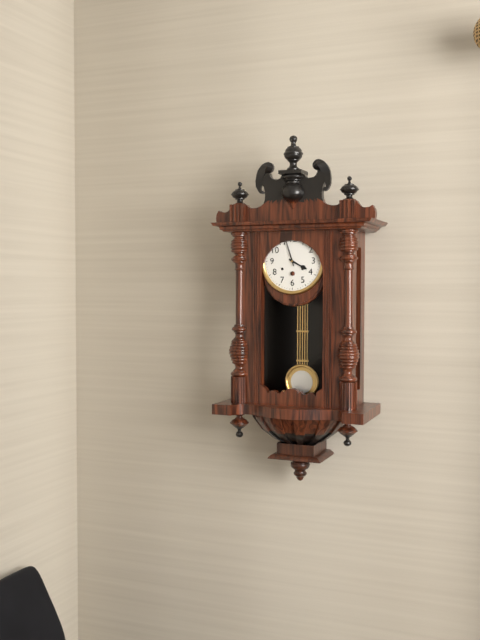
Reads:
3,57
